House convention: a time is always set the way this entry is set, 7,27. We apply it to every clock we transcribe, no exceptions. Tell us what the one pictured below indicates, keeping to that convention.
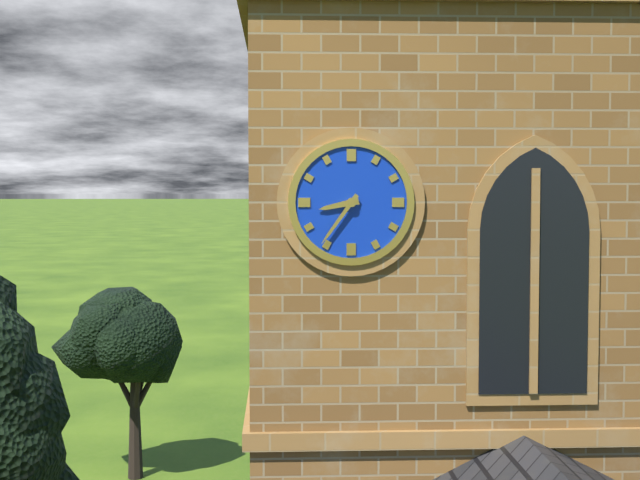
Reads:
8,36
